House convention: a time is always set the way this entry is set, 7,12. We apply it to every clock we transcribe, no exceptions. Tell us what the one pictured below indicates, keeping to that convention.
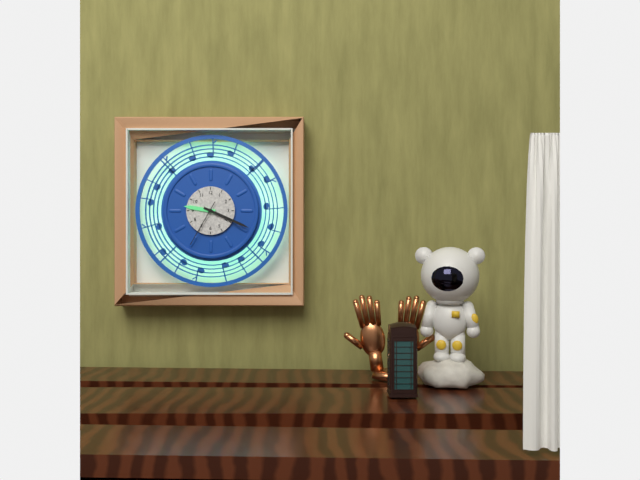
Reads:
9,19
